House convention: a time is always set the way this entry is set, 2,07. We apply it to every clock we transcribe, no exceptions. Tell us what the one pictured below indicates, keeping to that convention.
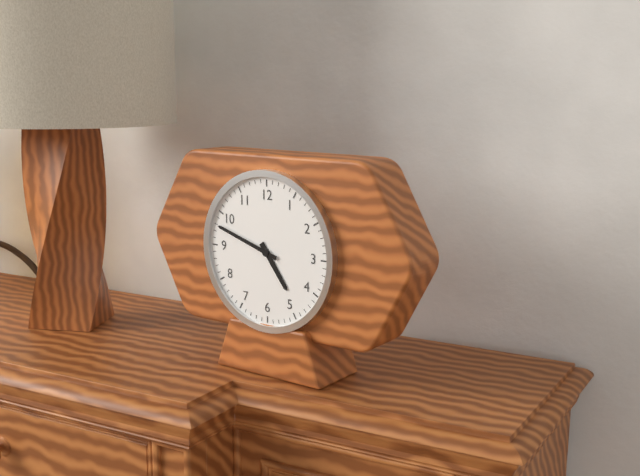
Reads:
4,48
